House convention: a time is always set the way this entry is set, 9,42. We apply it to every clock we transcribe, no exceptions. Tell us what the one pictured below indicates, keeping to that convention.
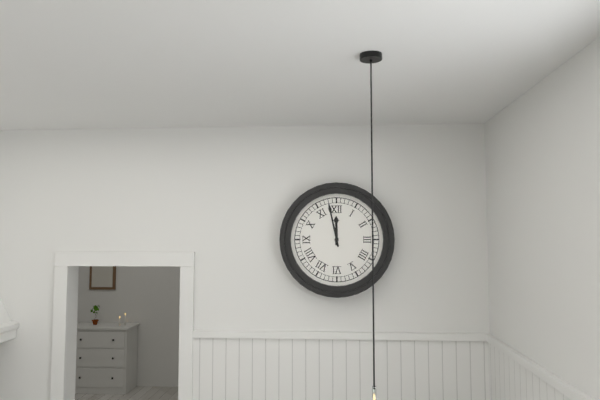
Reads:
11,58
